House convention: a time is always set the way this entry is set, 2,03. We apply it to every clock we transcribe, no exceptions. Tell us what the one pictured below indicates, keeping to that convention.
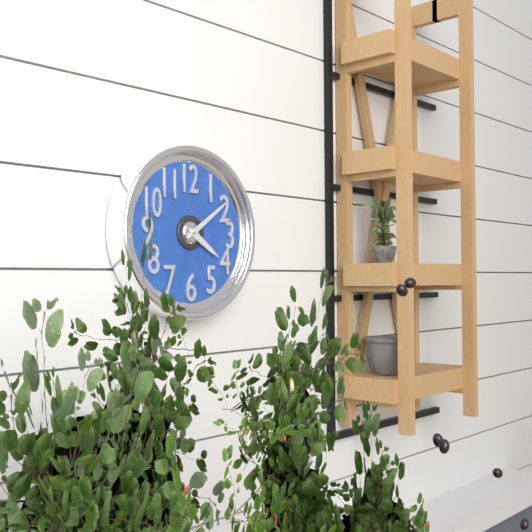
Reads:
4,09
